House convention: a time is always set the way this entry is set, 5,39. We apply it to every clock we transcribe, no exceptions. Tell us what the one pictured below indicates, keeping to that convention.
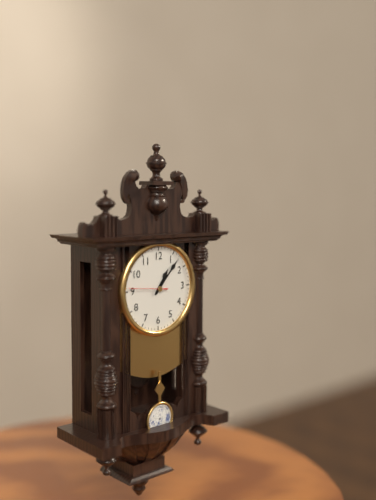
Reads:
1,07
